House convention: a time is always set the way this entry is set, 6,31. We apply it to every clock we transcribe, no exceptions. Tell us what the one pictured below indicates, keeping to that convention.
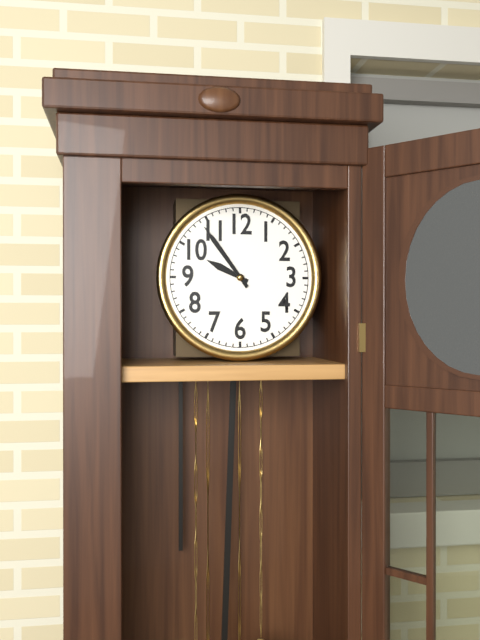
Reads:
9,54
